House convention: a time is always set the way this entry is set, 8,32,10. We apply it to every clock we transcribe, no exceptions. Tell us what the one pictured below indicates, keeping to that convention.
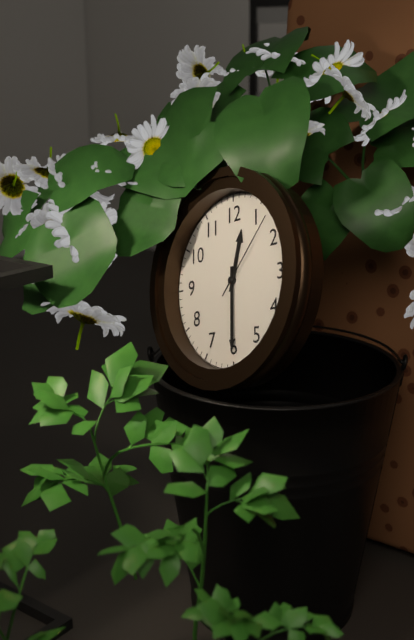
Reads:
12,30,07
